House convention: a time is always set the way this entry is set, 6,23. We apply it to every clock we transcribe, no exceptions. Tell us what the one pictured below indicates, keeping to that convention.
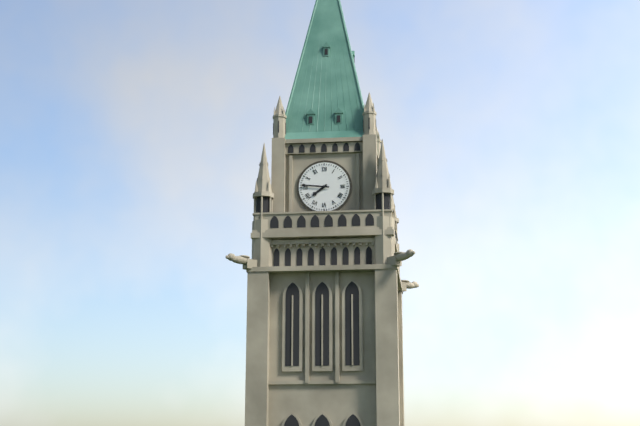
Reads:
7,46
